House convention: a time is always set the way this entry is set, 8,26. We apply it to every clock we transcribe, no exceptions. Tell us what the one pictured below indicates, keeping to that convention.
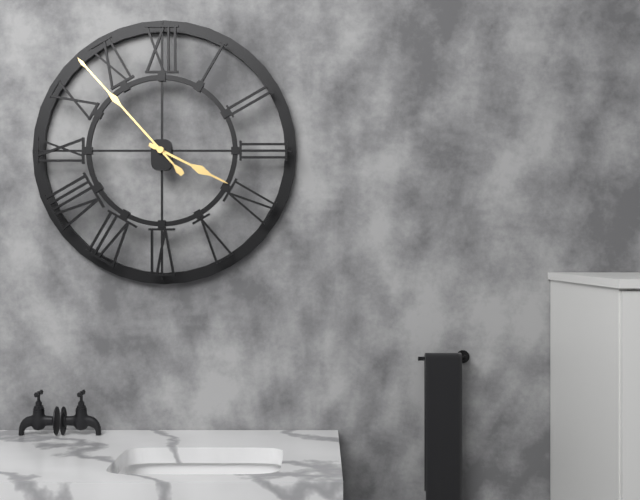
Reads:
3,53
